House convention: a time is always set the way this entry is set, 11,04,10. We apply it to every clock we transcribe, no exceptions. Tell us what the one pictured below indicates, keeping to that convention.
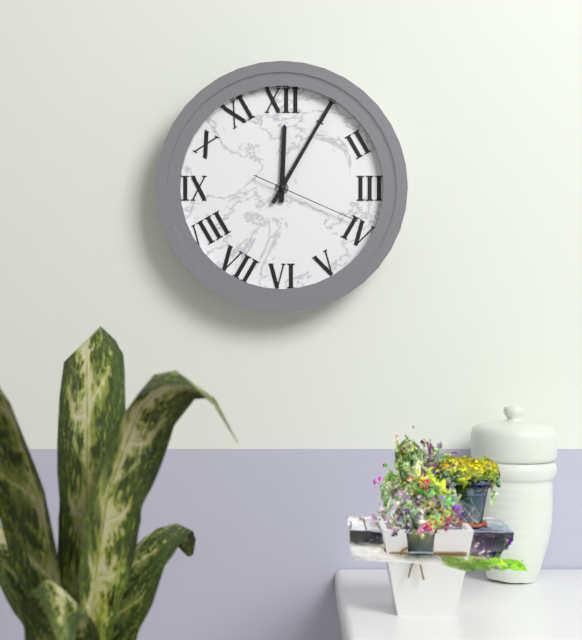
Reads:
12,05,19
